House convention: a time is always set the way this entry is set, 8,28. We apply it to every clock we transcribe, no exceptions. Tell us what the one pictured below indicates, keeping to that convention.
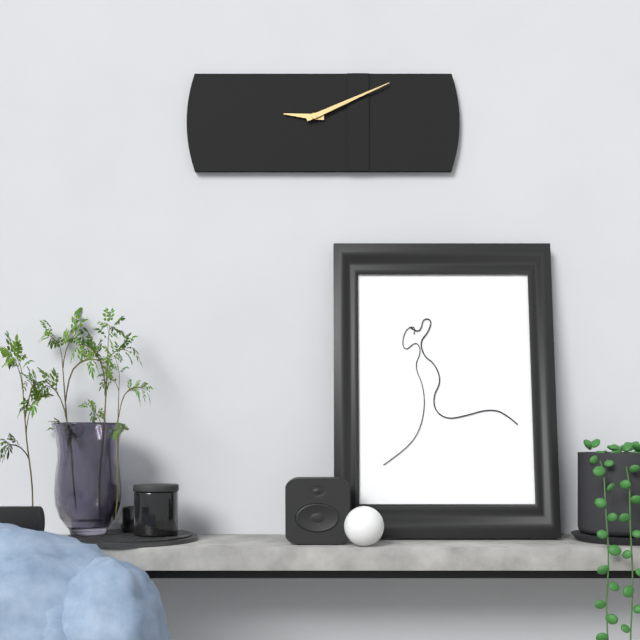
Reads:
9,11
